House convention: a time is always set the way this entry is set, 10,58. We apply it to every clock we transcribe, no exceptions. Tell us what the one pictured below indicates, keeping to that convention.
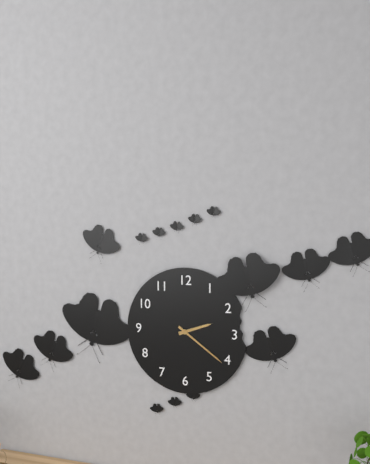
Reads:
2,21
